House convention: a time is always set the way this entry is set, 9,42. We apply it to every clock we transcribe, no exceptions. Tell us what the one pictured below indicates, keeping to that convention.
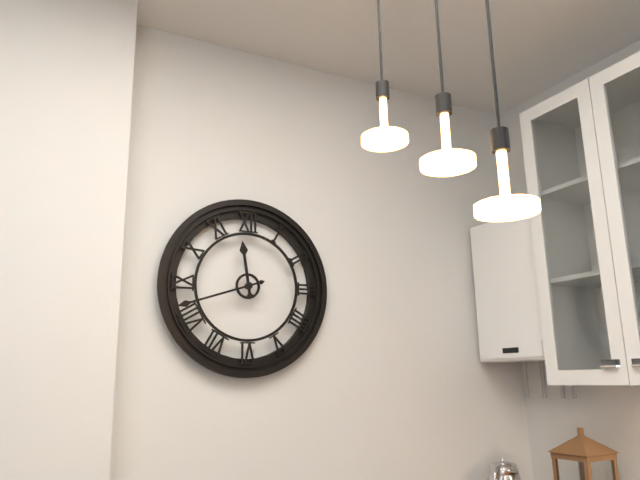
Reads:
11,42
